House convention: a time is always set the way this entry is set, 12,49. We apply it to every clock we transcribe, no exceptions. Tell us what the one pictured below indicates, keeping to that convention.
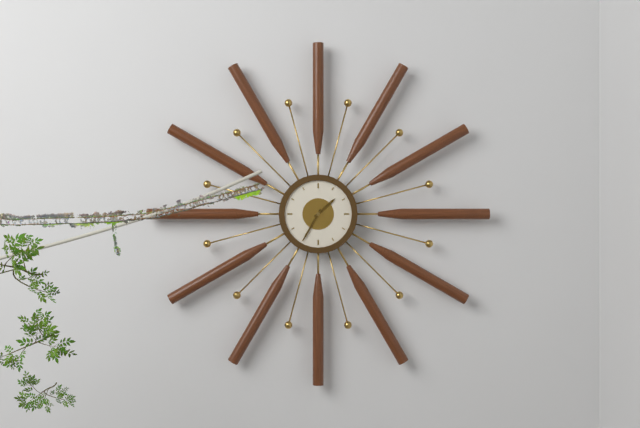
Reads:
1,35
